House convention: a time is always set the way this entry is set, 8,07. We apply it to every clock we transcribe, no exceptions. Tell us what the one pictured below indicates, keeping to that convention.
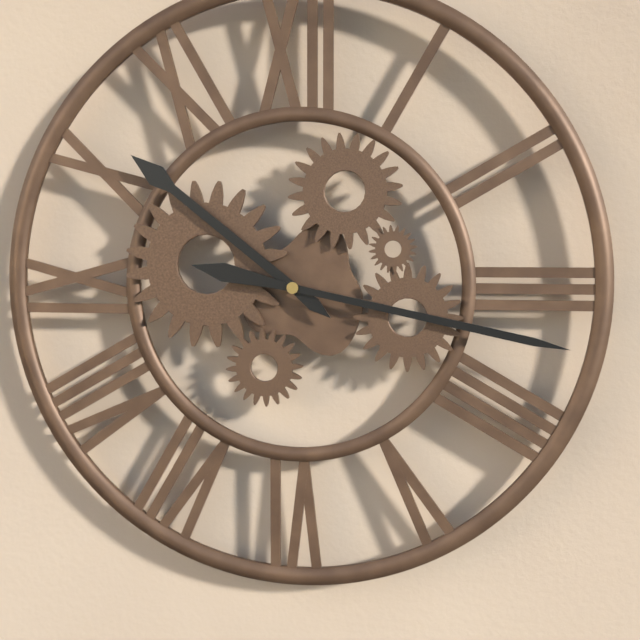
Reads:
10,17
